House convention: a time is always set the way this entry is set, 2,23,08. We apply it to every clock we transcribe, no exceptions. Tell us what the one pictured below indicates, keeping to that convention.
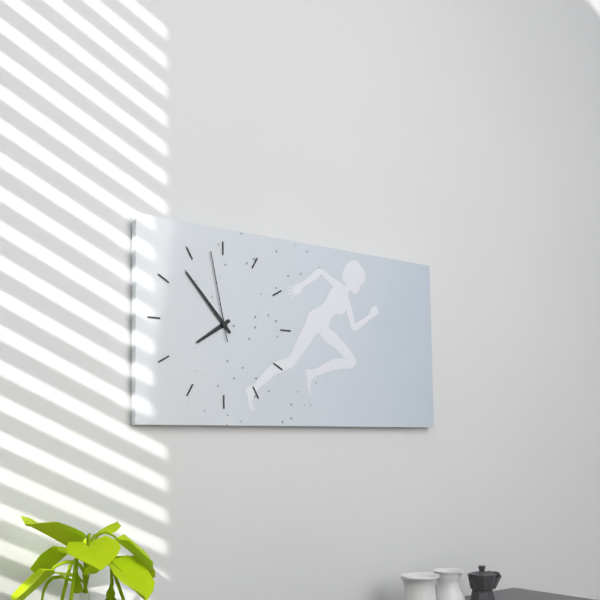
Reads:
7,53,58
